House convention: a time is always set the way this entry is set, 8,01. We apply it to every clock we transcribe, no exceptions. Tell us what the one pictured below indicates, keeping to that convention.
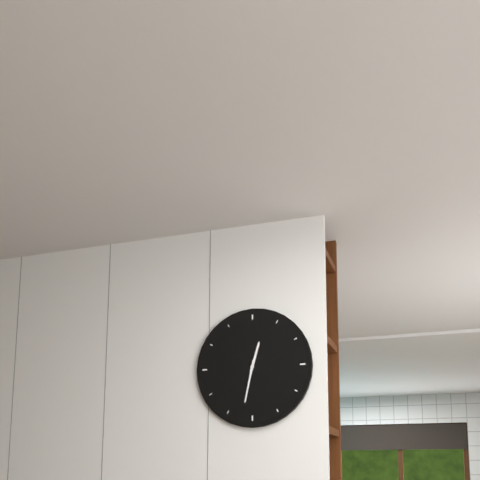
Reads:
12,32
